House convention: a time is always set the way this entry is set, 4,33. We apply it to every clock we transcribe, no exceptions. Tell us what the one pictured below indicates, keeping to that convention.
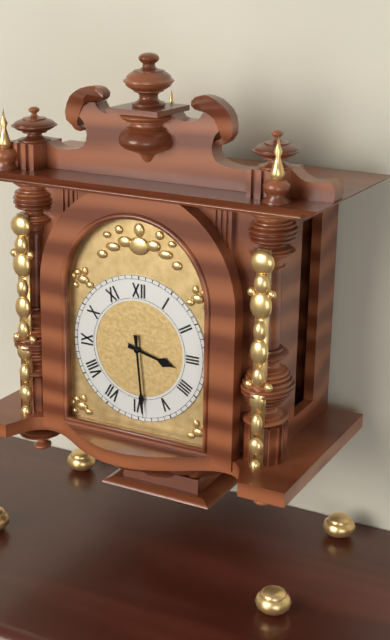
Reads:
3,29
